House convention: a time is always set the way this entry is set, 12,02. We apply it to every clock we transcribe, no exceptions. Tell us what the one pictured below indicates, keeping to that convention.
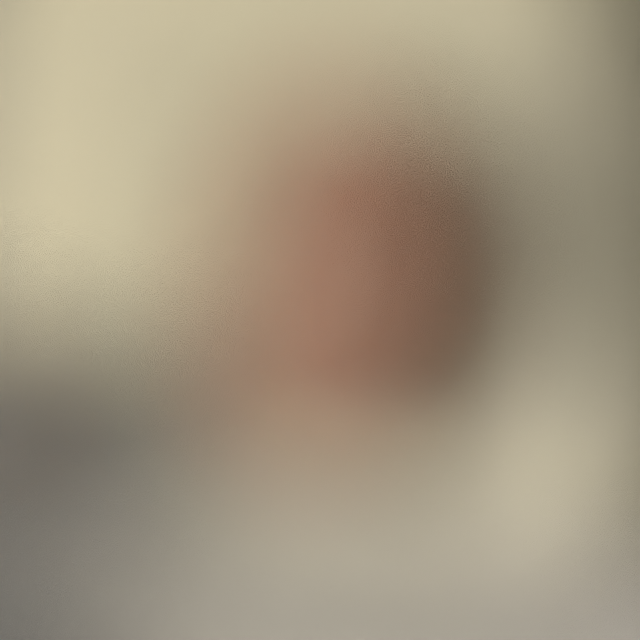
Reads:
4,07
